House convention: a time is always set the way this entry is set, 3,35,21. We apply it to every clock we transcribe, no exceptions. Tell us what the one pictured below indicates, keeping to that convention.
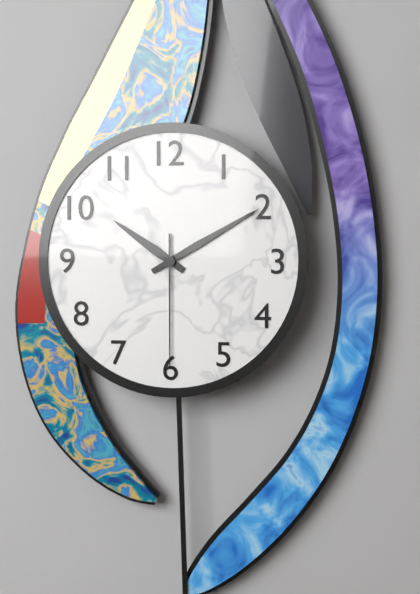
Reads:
10,10,30
